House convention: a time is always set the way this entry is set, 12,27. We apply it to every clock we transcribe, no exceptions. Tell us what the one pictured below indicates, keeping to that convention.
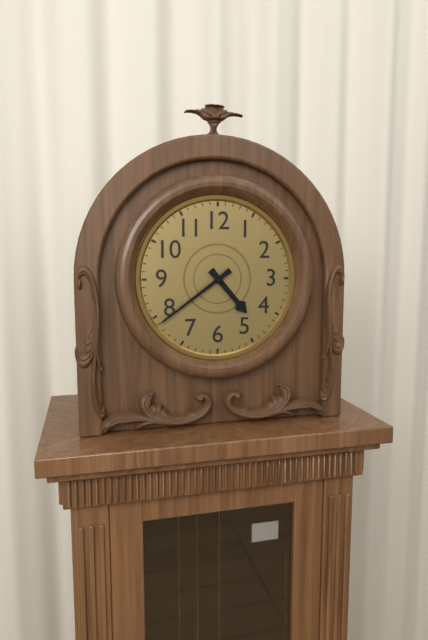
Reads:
4,39
